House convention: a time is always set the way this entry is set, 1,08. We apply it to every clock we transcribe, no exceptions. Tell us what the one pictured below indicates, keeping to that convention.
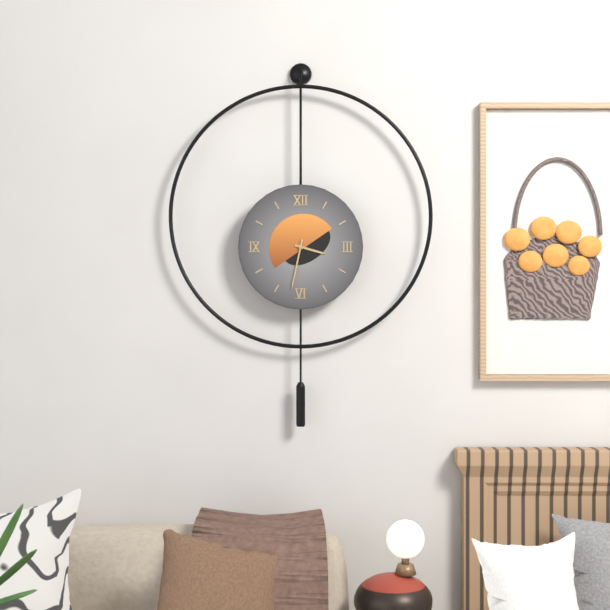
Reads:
3,32
